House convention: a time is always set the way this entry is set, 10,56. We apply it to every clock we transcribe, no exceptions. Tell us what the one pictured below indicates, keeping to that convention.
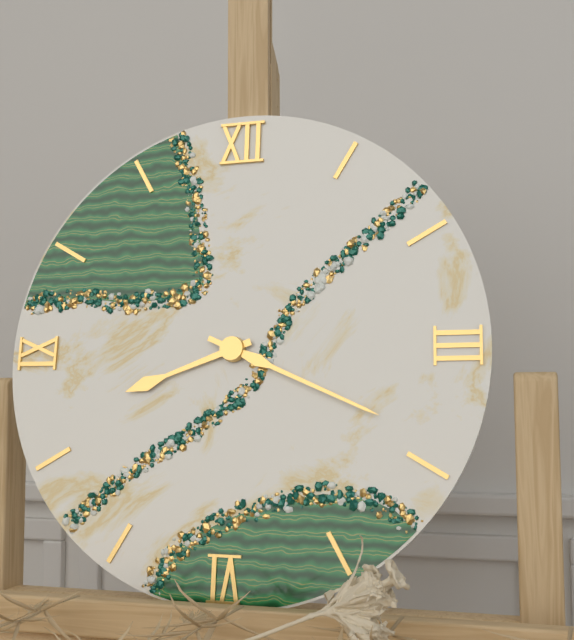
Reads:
8,19
